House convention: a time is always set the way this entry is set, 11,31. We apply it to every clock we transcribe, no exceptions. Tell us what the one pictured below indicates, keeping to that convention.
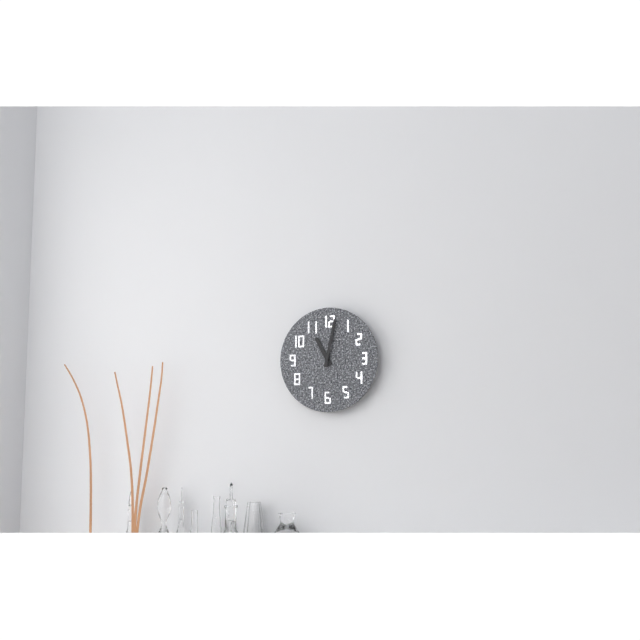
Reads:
11,02
